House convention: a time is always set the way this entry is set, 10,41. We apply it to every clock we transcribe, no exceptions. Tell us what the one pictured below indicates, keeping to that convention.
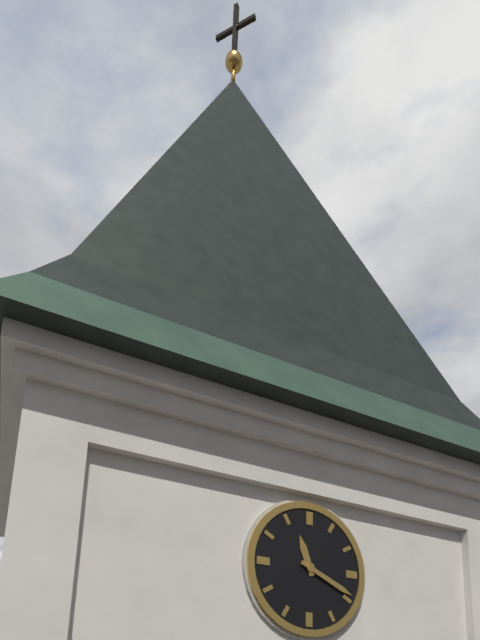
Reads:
11,19
